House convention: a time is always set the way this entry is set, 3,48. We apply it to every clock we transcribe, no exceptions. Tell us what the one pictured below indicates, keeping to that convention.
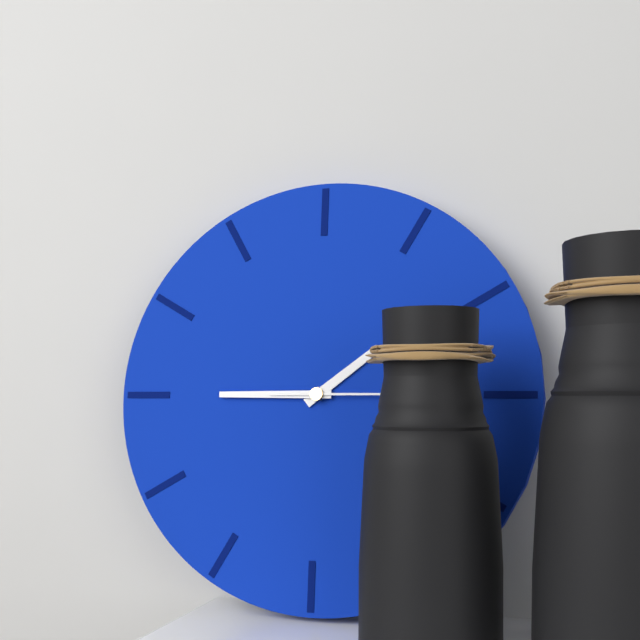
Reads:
1,45
